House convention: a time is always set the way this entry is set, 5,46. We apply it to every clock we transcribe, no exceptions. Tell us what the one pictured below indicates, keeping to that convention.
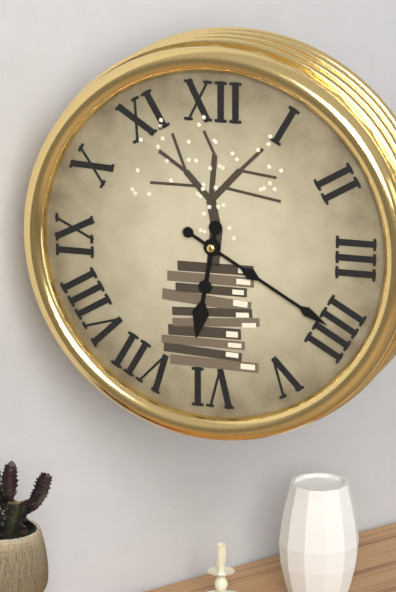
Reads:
6,20
